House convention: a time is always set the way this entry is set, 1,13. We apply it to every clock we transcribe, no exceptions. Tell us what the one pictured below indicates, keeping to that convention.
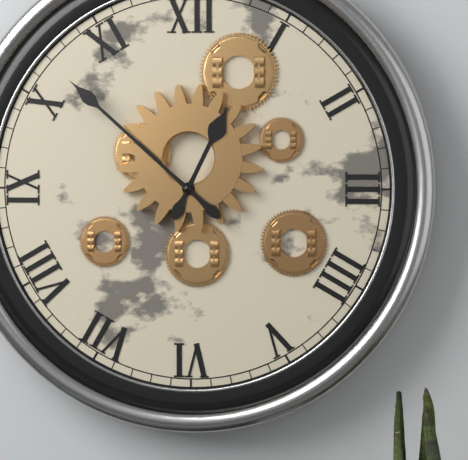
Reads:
12,52
